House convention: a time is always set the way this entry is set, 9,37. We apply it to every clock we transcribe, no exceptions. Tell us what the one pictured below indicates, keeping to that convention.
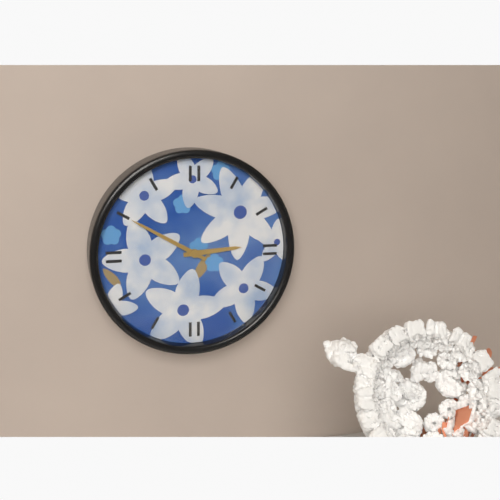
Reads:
2,50
